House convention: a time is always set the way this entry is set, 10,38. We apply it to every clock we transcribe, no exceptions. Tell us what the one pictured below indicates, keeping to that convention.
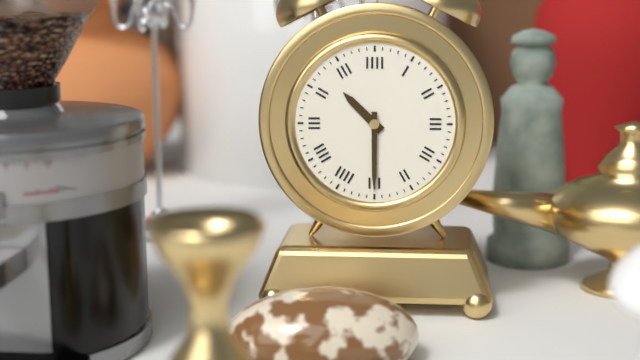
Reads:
10,30
